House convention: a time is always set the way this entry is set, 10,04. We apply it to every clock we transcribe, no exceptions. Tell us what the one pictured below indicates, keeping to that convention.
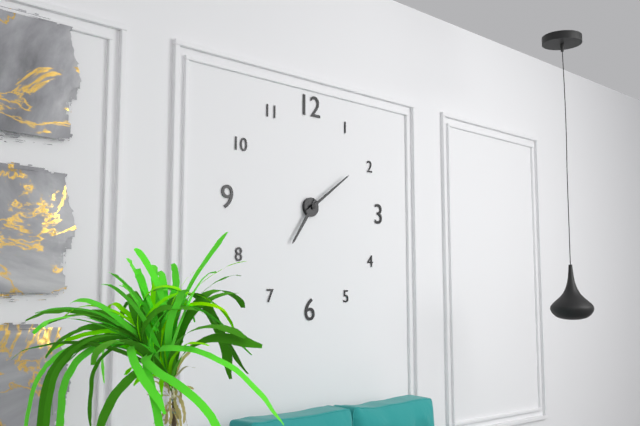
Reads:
7,09
